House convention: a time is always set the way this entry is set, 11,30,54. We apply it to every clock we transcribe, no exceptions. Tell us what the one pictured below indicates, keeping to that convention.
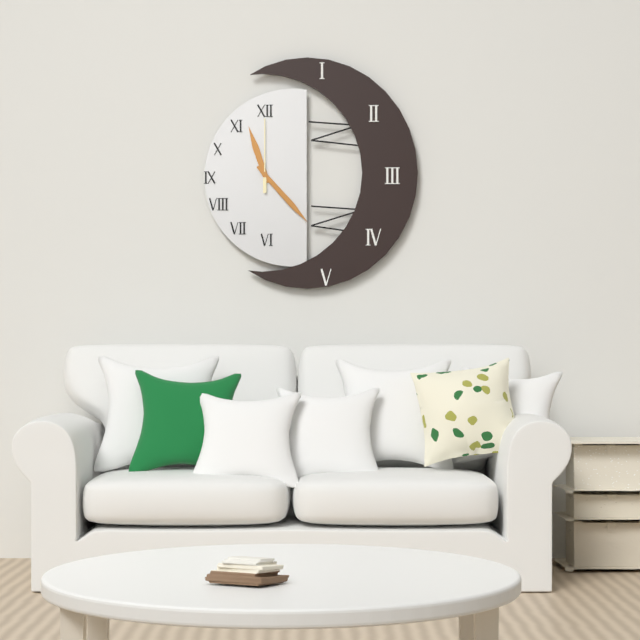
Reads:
11,23,00
